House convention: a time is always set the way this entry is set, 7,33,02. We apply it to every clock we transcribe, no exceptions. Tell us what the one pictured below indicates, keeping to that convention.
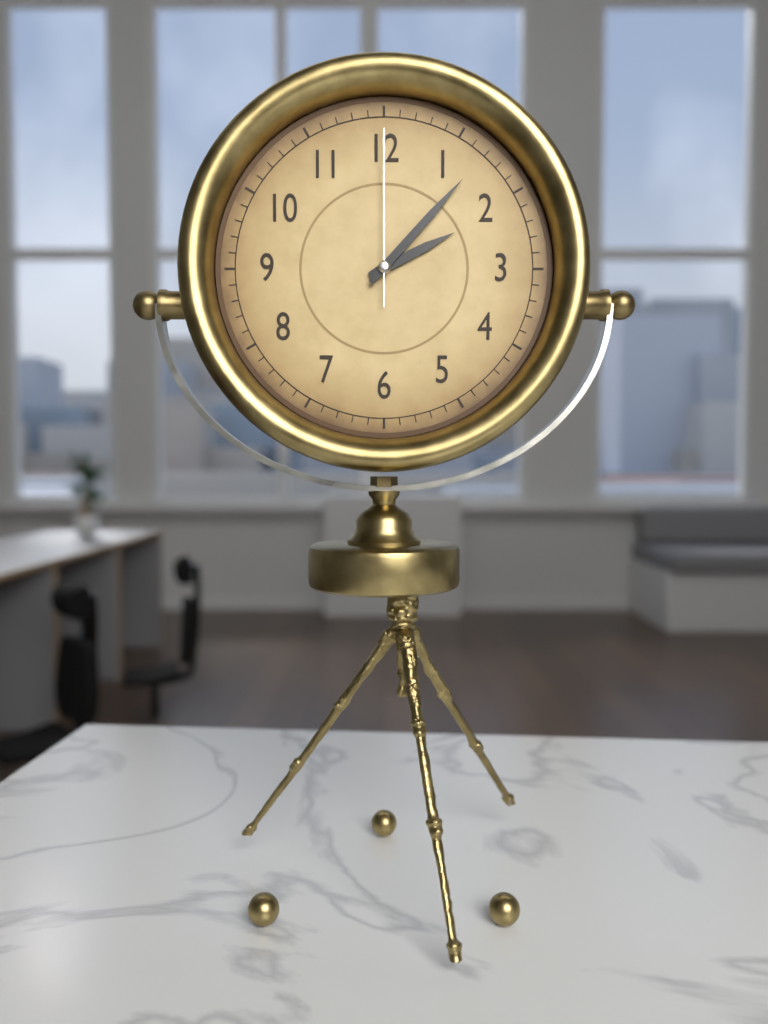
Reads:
2,07,00
